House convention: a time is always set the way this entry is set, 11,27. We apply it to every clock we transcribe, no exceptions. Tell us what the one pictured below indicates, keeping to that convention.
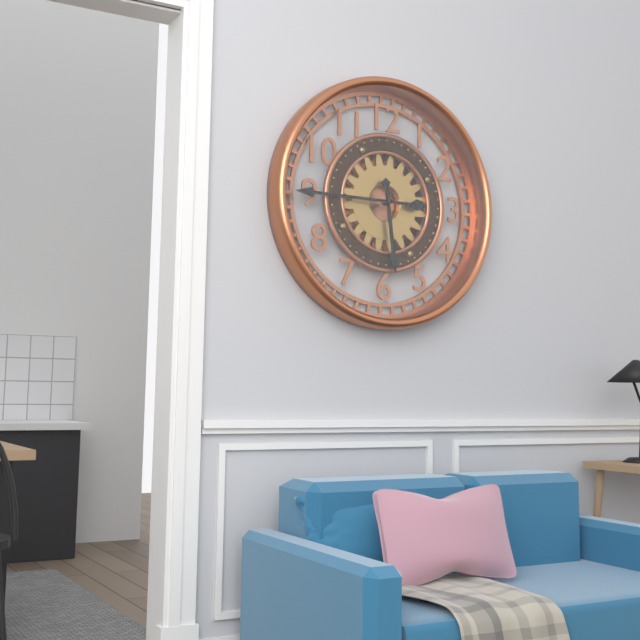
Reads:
5,45
